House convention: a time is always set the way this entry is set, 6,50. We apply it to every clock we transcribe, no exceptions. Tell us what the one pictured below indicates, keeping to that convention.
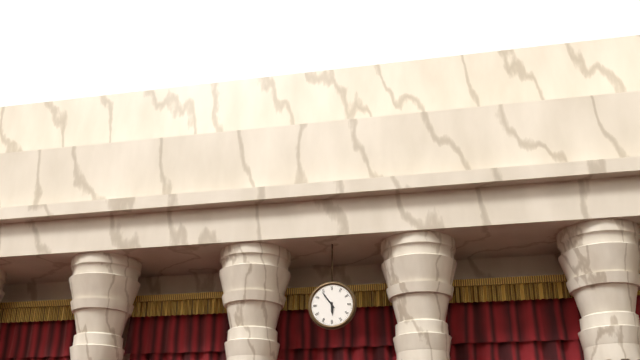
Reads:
5,54
